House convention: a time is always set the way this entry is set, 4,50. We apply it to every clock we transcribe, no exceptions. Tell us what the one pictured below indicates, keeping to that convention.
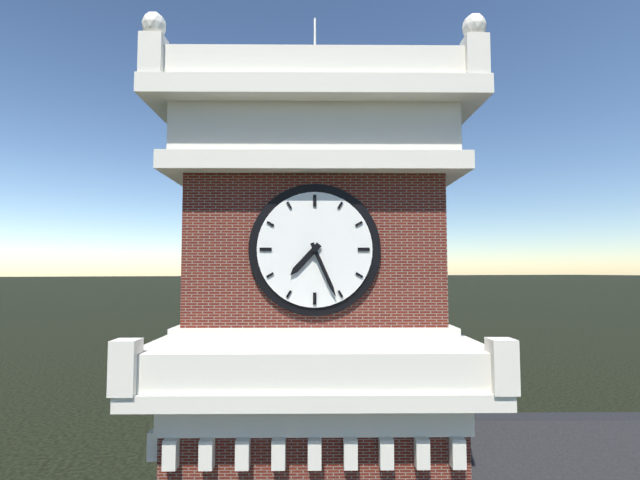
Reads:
7,26
